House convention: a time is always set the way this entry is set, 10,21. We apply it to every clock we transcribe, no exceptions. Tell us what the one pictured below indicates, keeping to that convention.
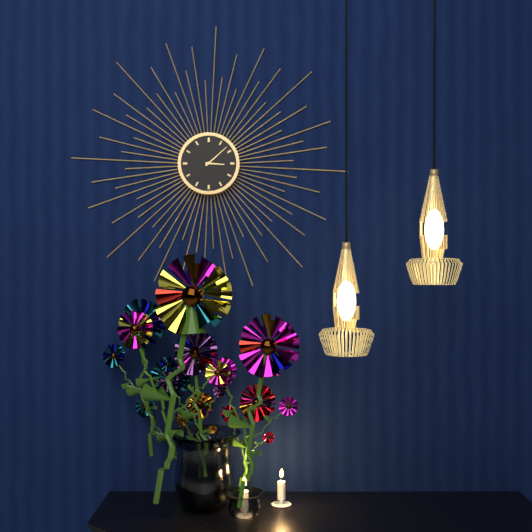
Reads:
3,08
